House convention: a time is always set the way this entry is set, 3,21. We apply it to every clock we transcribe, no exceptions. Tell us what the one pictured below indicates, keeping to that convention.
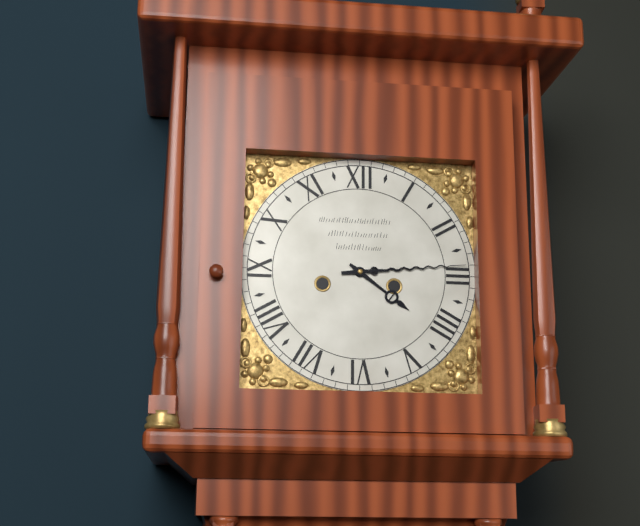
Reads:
4,14
